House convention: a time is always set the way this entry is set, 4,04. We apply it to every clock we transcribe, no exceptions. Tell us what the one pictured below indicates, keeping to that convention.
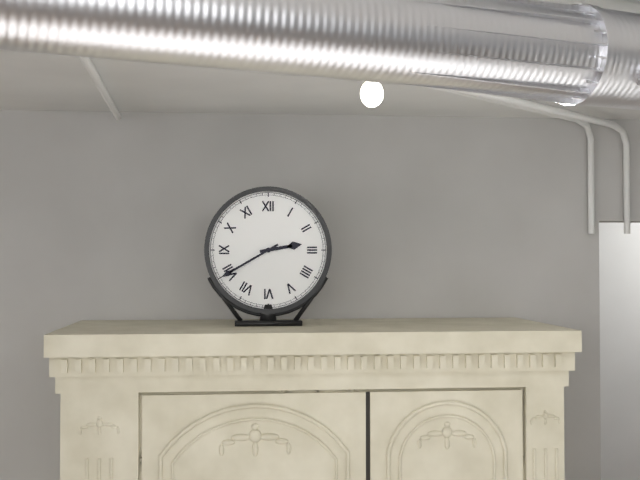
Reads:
2,40
